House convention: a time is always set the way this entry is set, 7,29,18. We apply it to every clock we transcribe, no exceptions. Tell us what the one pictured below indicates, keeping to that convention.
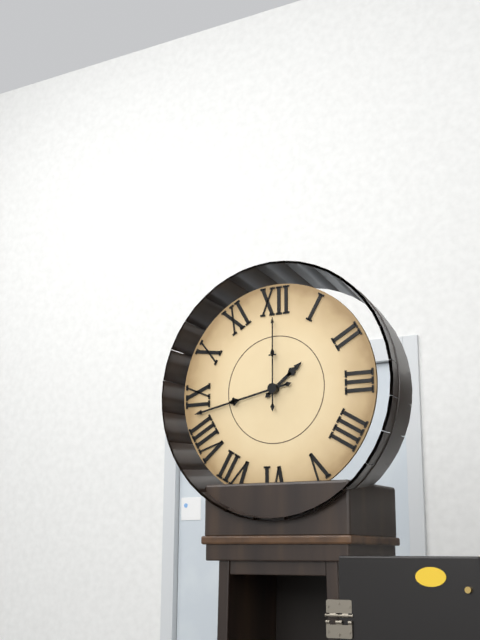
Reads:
1,43,00
